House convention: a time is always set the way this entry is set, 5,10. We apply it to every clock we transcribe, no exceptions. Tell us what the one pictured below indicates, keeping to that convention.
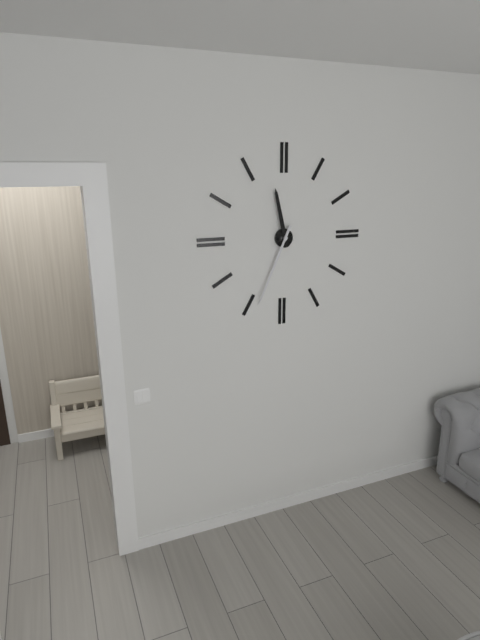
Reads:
11,34
